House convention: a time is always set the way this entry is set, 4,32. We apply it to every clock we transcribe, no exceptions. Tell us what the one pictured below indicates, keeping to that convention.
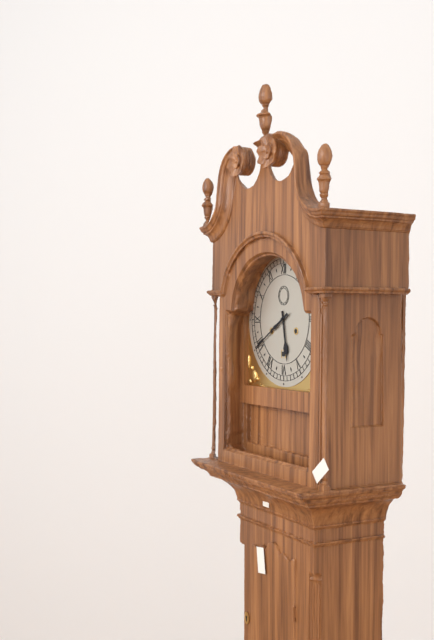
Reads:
5,40
